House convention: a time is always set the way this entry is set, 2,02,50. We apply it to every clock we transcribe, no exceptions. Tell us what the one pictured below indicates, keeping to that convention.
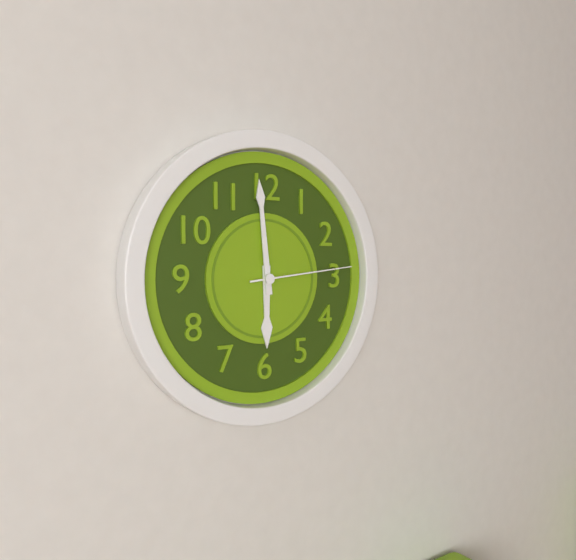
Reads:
5,59,14
